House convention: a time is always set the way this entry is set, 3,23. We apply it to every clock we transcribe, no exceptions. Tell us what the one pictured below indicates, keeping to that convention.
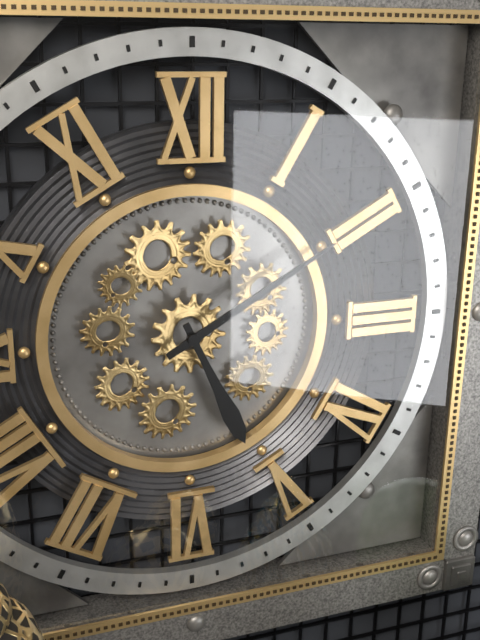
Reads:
5,10
